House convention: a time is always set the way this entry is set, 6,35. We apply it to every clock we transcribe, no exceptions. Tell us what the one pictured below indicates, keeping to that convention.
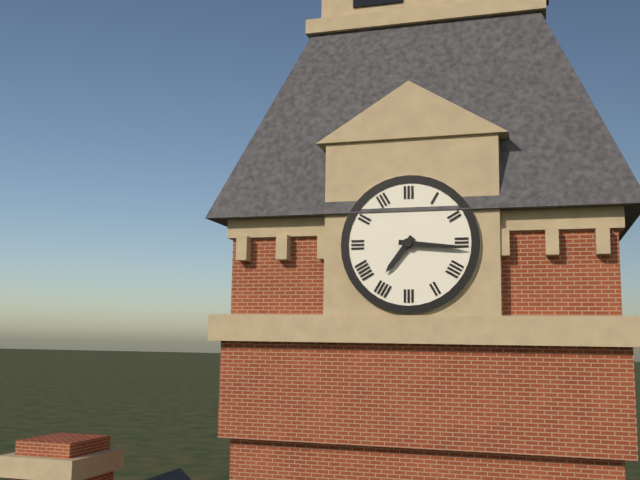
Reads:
7,16
